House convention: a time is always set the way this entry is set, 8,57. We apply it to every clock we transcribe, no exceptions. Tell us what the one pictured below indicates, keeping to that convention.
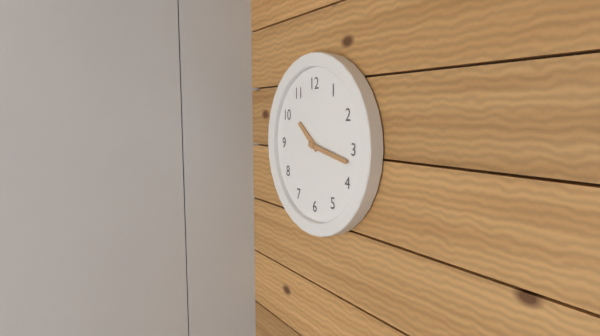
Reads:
10,17
